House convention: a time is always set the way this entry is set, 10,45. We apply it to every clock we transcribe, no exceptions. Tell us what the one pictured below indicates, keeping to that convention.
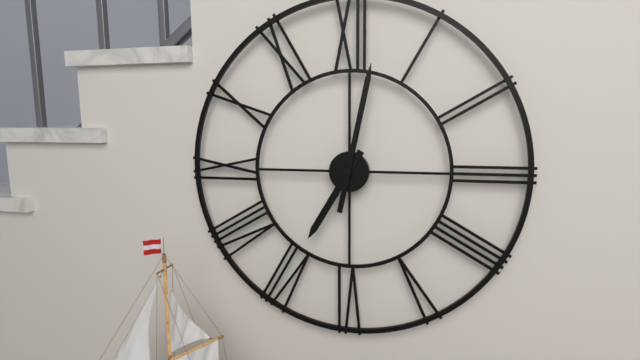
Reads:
7,02
